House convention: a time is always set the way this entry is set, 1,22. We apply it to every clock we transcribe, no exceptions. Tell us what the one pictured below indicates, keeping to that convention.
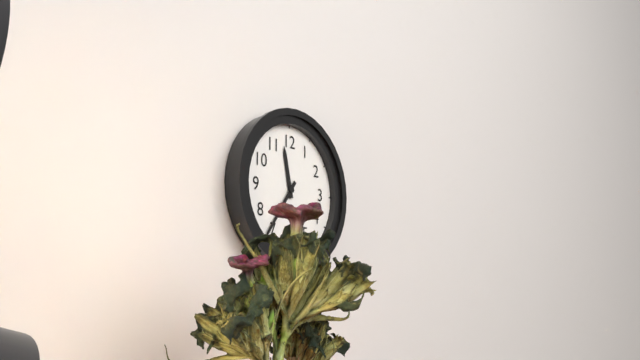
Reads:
11,36
